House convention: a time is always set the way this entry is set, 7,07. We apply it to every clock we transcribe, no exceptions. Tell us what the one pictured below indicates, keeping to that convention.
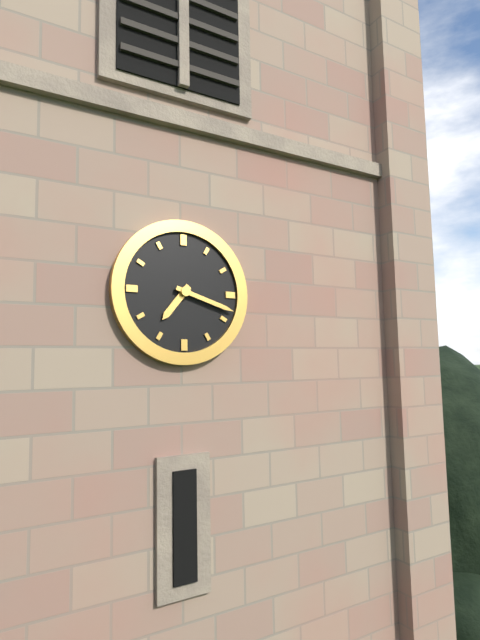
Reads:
7,18
